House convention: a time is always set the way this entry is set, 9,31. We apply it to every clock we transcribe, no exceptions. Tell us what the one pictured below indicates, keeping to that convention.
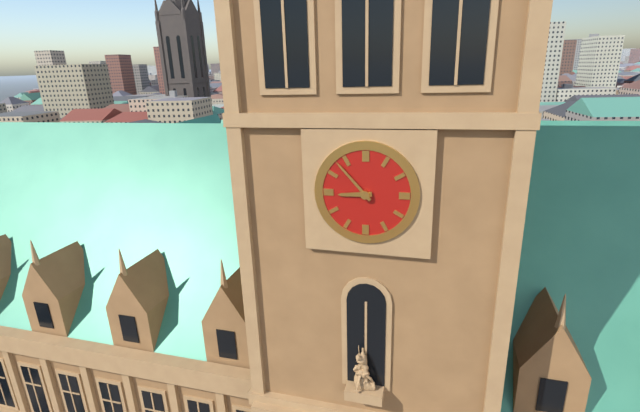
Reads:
8,53
